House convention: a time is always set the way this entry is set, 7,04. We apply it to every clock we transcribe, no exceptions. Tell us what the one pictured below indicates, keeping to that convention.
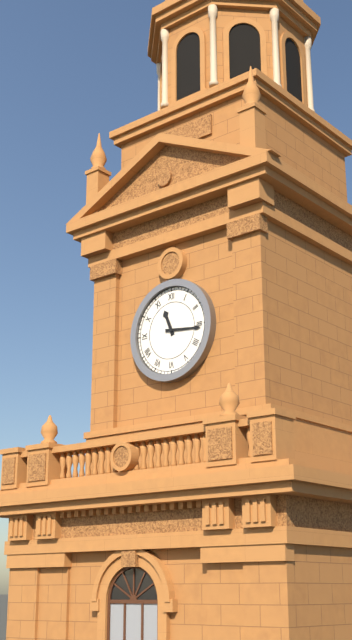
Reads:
11,16
